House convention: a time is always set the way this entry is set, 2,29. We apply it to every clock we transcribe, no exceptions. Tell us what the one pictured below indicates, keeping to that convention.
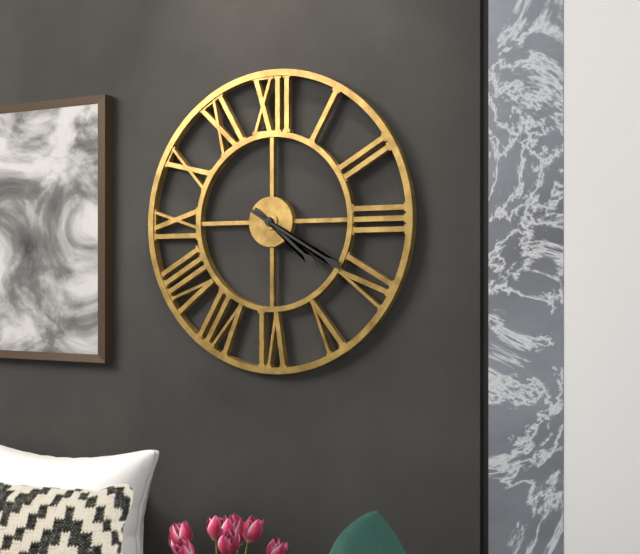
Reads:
4,20
